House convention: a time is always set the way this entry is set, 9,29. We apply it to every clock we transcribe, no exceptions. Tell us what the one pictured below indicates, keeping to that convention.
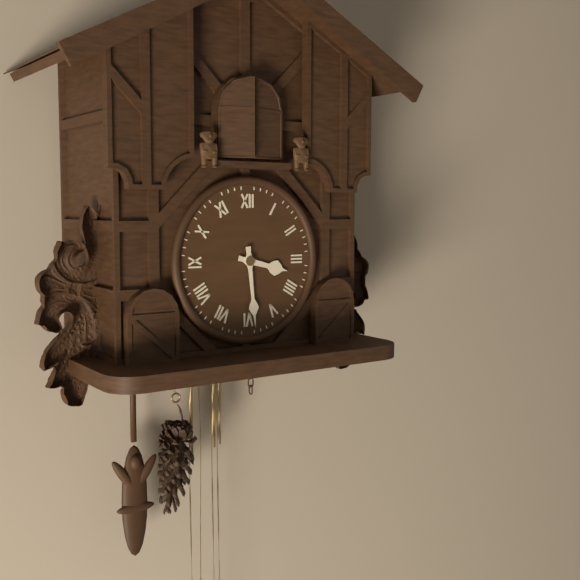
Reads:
3,29
